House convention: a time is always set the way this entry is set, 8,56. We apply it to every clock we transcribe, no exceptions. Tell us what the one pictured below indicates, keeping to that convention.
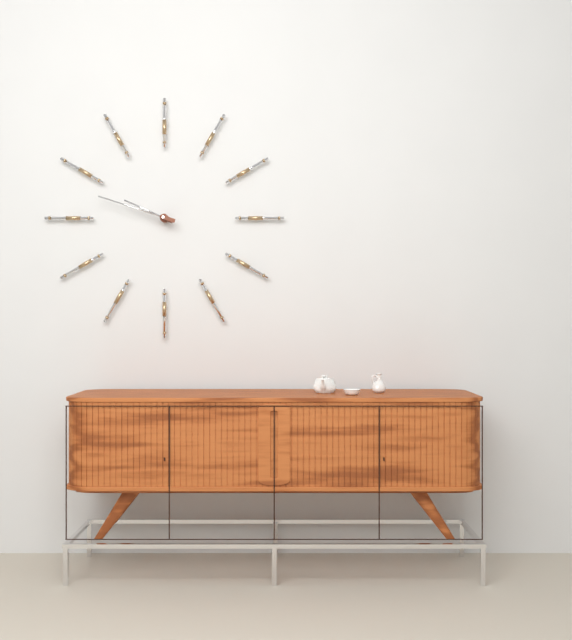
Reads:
9,48
